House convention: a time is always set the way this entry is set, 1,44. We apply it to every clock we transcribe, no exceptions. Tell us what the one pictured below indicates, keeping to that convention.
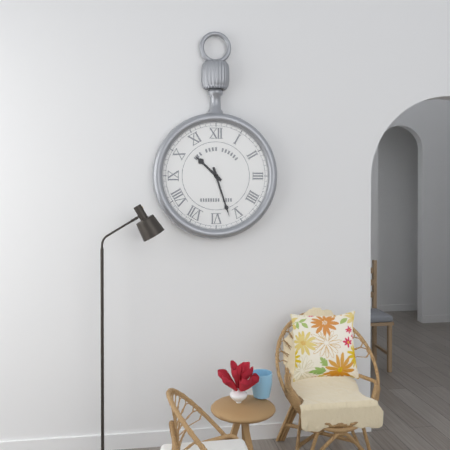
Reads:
10,27
